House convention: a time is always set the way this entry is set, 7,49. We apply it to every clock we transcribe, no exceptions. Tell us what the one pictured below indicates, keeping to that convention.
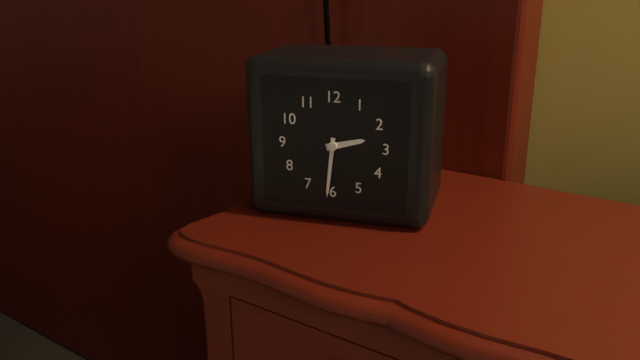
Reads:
2,31
